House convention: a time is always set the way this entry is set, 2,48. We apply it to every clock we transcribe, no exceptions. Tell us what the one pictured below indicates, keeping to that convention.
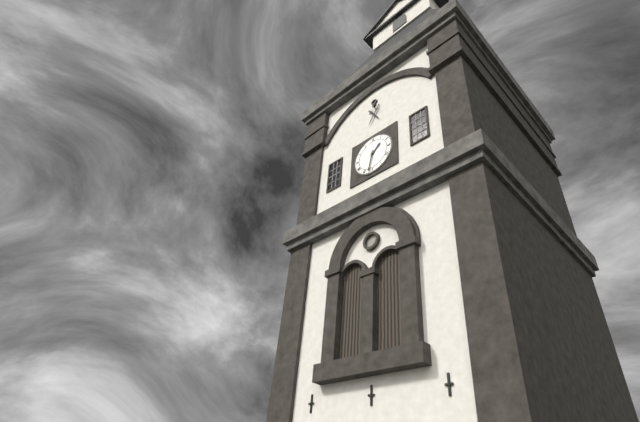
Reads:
1,32
